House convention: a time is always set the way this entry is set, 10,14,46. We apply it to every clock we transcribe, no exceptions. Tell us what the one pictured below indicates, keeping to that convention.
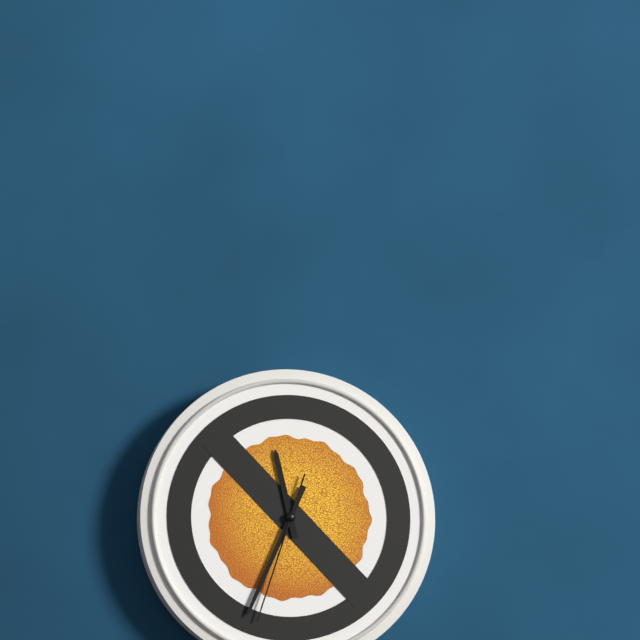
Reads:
11,34,33
